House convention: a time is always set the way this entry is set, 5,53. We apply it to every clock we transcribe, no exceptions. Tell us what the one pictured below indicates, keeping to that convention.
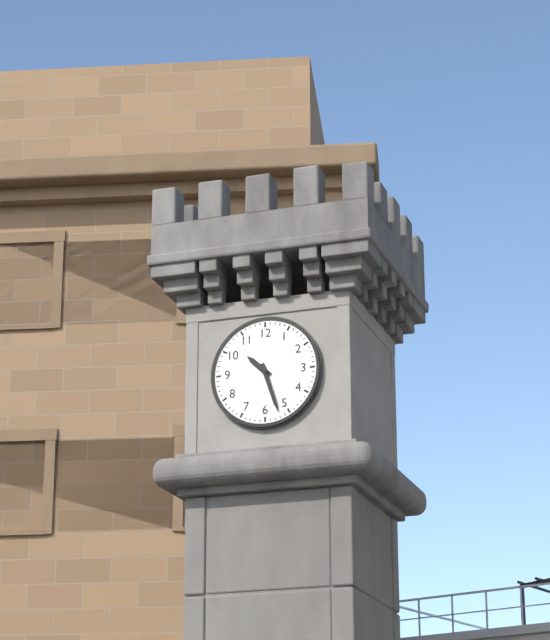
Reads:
10,27
